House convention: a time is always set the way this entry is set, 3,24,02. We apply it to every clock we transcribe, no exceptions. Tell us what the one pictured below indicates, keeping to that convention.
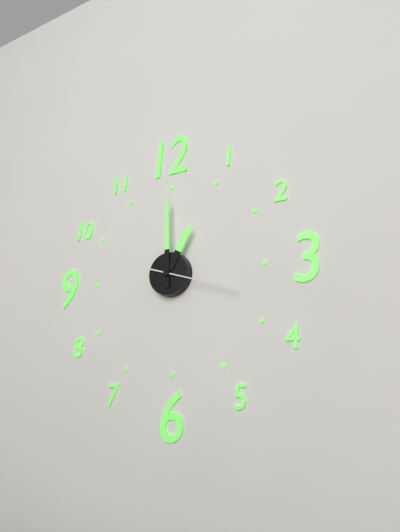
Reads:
1,00,18
